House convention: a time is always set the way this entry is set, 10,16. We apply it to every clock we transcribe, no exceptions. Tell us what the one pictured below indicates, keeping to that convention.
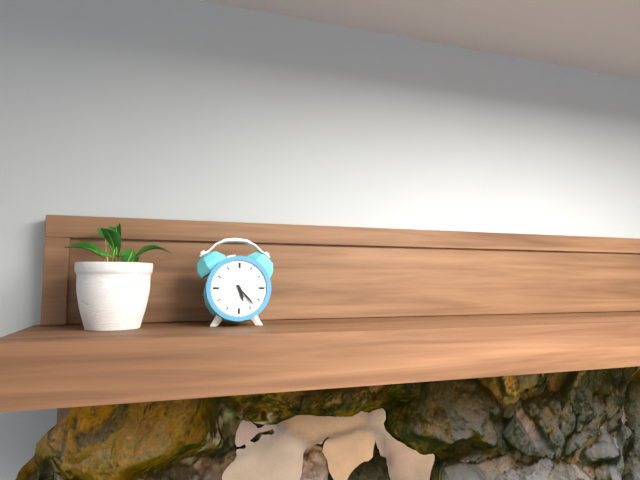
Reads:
5,23
